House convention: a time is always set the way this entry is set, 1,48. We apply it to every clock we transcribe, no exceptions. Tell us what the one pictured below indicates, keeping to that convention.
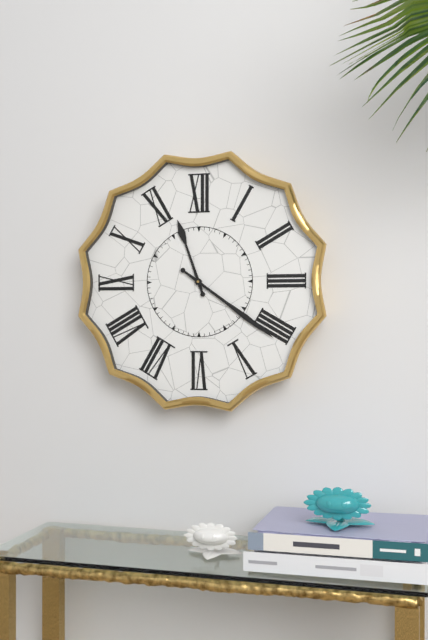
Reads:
11,21
